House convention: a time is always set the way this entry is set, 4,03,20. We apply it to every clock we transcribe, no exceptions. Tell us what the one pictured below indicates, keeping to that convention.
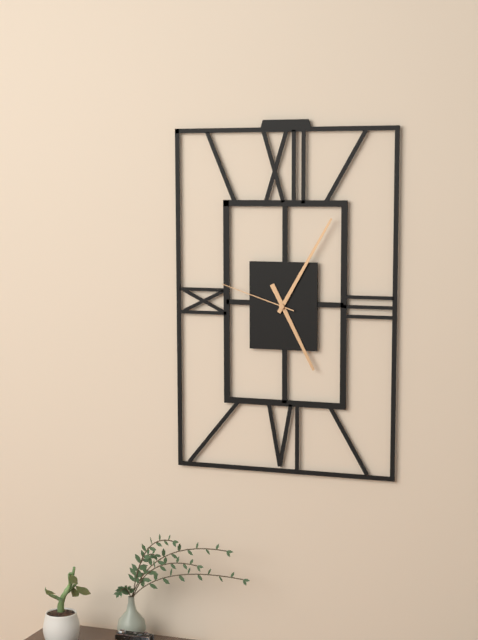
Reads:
5,05,48
